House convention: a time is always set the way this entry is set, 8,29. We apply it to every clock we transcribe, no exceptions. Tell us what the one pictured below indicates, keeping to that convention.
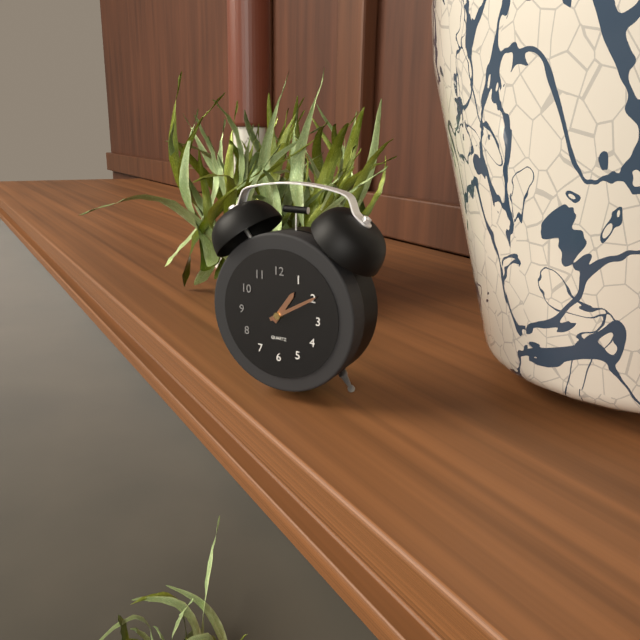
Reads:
1,10
